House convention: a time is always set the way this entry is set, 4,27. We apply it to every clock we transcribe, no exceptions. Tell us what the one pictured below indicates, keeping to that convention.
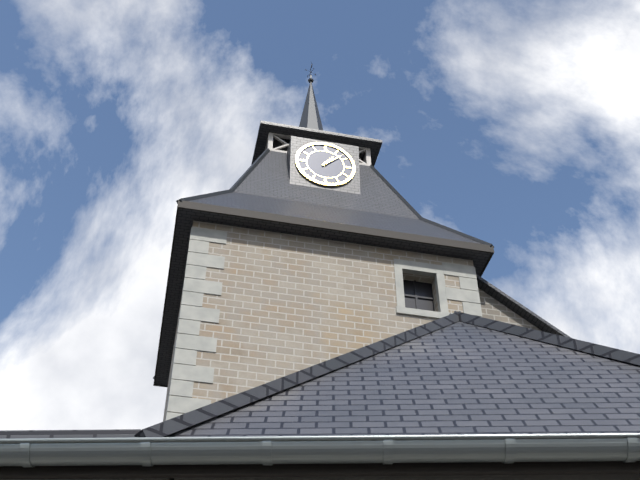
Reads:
1,08
